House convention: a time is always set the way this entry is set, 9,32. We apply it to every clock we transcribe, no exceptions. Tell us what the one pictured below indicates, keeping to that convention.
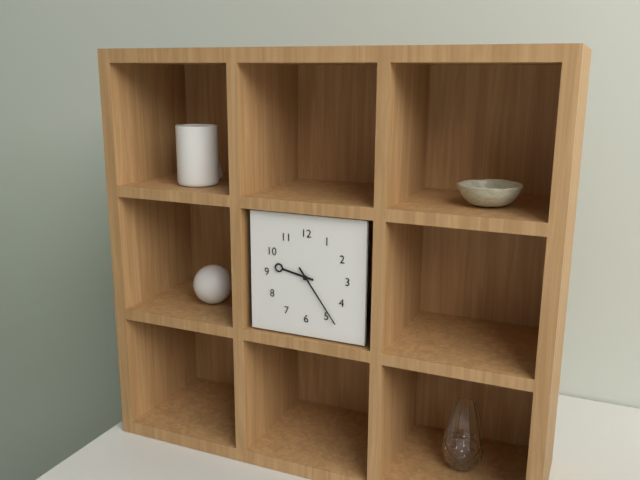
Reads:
9,24
